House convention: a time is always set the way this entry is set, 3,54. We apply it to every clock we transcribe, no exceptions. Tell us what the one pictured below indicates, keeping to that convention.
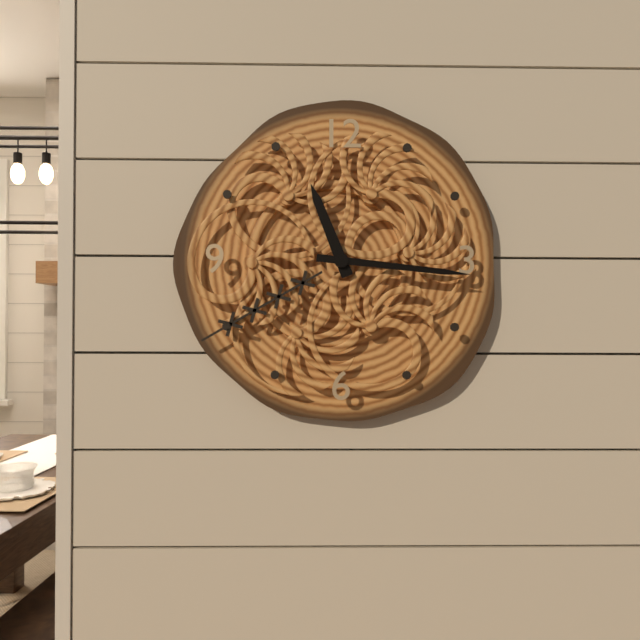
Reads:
11,16
